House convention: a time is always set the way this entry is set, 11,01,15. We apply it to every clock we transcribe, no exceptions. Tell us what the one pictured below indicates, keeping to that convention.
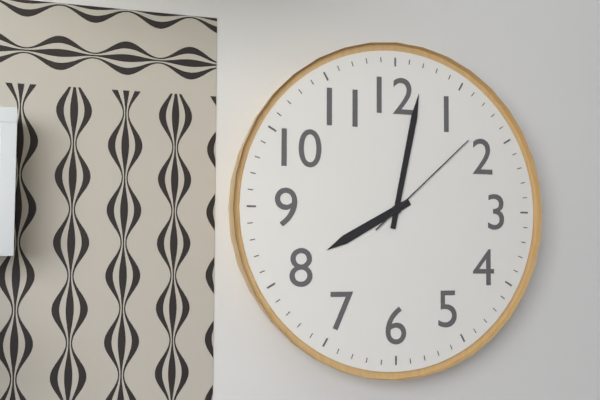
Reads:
8,02,08
